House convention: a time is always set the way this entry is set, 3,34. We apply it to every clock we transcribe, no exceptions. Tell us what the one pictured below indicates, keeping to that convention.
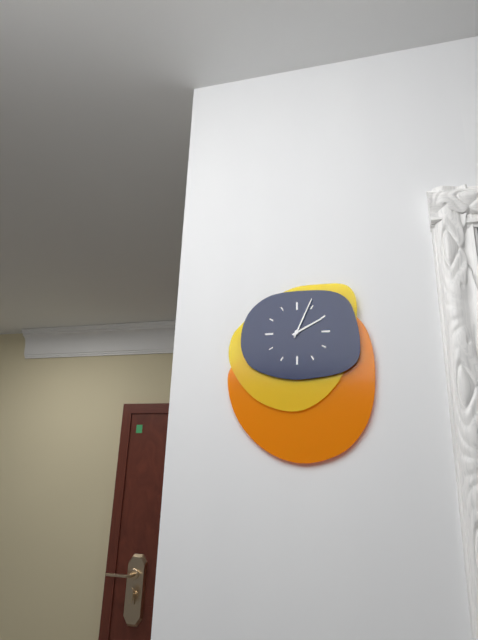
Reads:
2,04
